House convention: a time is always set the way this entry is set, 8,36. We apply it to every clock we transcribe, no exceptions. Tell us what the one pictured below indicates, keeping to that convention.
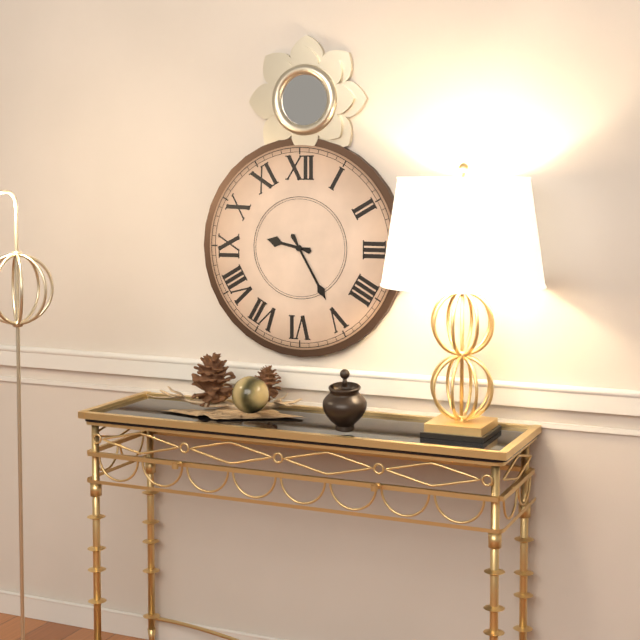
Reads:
9,25
